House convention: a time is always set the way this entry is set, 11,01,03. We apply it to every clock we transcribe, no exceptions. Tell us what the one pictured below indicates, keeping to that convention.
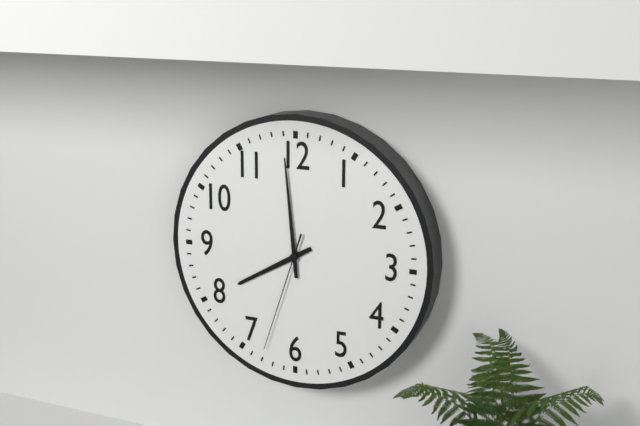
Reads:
7,59,33
